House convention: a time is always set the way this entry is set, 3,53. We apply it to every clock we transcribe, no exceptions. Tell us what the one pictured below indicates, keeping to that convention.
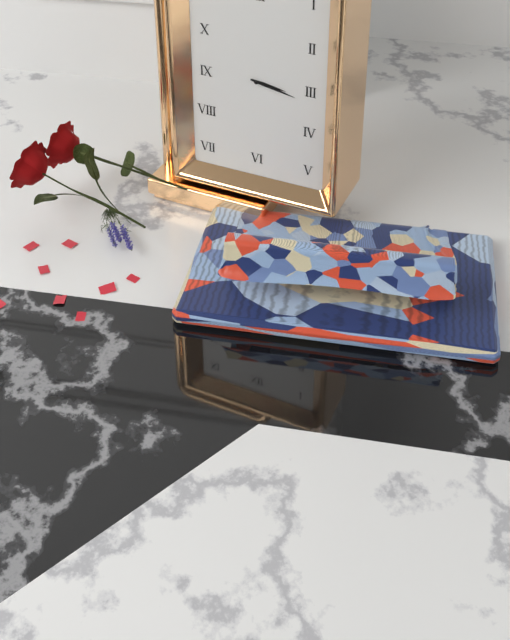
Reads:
3,17
